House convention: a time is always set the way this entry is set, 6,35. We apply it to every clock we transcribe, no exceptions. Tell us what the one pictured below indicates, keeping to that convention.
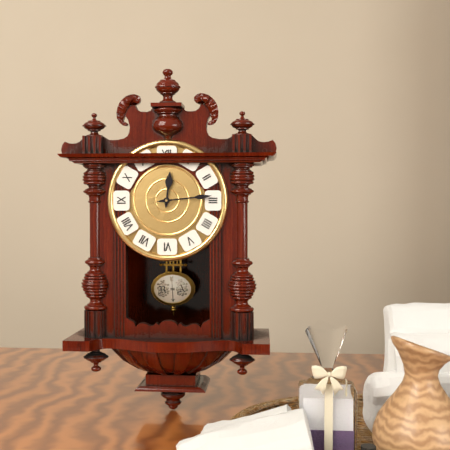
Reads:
12,14
